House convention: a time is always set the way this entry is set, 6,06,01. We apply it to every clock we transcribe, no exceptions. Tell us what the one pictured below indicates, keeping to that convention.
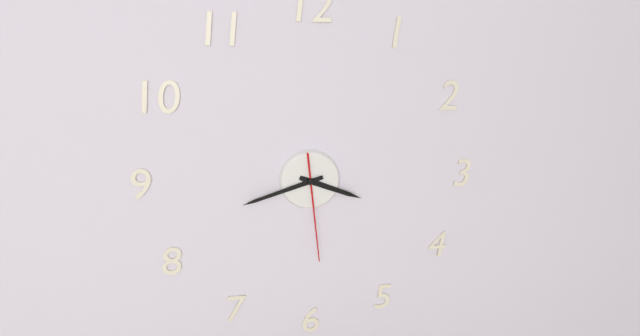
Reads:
3,42,29
